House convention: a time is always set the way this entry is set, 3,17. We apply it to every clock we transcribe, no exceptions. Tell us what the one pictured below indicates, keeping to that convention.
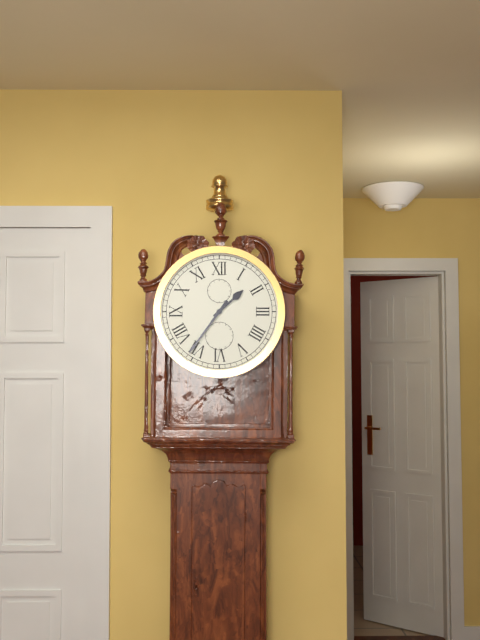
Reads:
1,36
